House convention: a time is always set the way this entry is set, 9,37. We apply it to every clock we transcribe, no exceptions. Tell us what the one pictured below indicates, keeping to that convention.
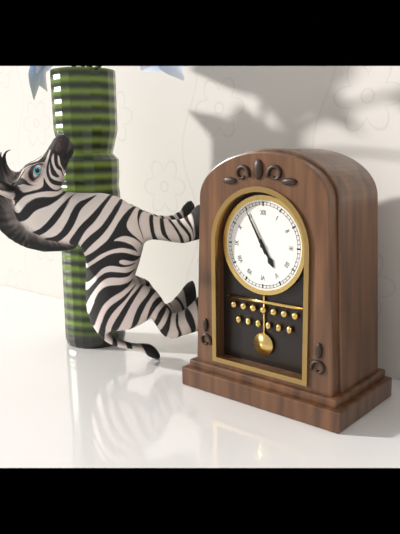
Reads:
4,55
